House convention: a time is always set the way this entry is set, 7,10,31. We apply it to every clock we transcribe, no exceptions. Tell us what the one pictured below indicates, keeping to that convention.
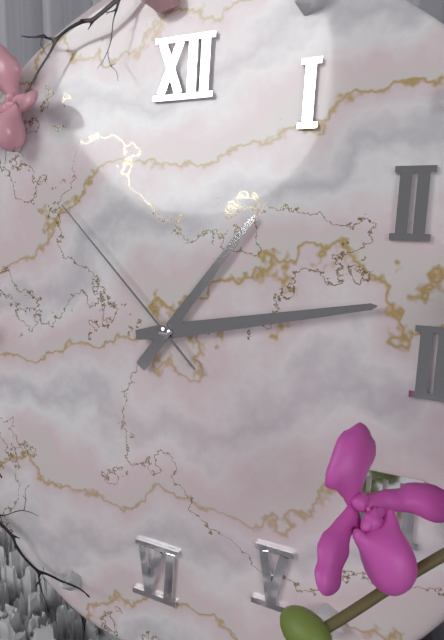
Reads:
1,13,52
